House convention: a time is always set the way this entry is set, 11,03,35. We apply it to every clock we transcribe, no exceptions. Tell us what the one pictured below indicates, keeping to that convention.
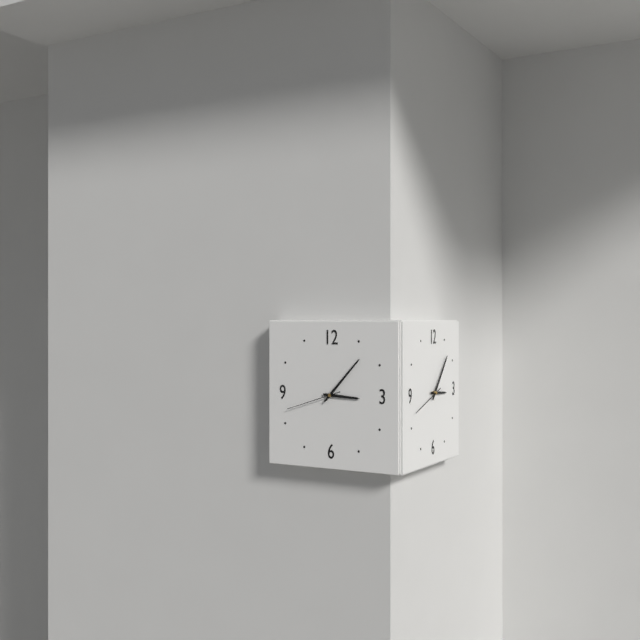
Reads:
3,07,42
